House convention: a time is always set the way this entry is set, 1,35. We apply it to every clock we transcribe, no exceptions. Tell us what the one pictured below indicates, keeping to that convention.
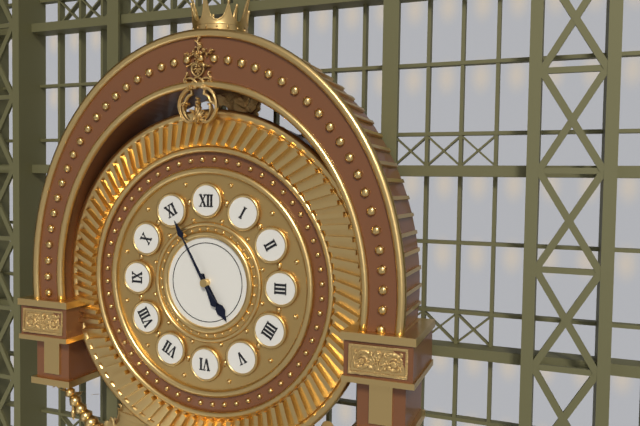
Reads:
4,55
